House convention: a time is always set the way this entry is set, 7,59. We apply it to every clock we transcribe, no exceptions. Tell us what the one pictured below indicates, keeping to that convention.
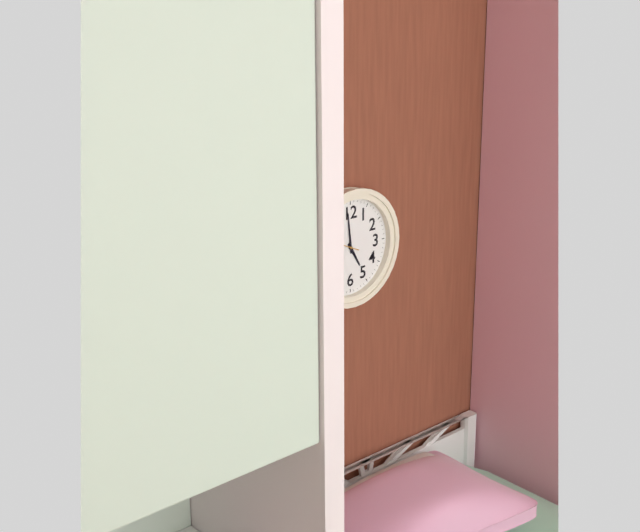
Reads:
4,59
